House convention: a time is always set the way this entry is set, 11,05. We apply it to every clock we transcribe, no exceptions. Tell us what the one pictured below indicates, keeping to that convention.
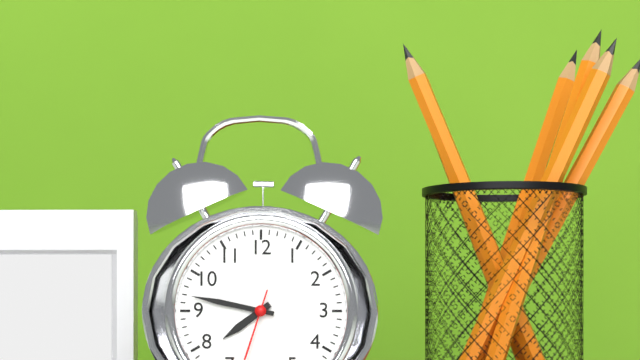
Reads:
7,47
